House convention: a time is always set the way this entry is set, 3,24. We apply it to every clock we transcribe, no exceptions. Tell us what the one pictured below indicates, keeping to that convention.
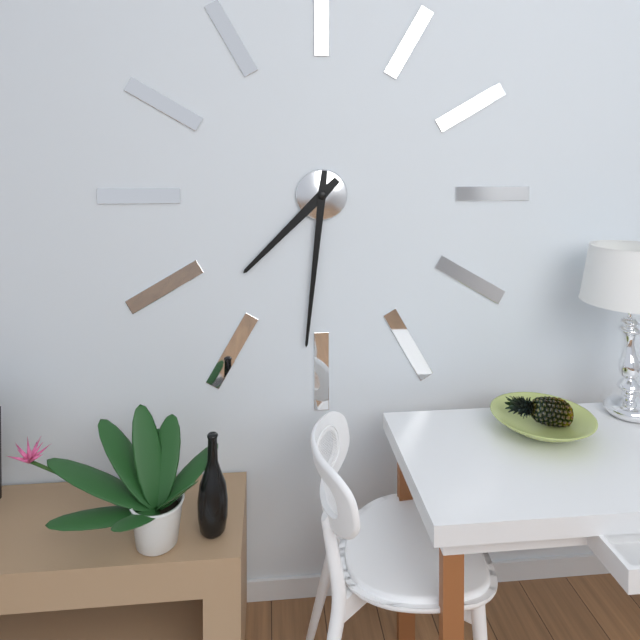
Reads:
7,31
